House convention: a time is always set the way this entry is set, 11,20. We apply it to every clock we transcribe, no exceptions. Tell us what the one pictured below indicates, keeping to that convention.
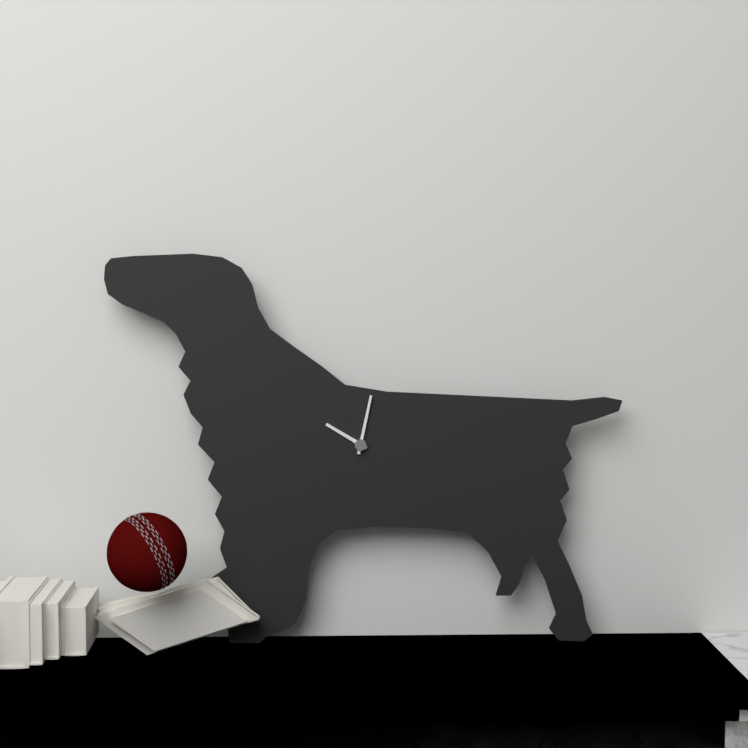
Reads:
10,02
